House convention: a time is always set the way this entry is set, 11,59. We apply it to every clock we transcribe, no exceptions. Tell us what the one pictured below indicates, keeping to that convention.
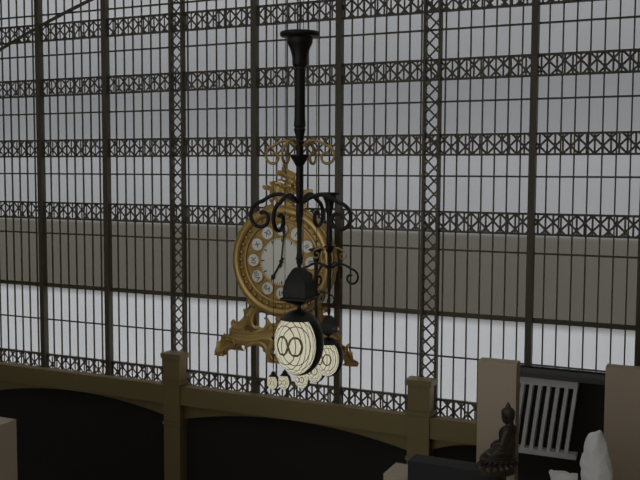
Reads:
7,01
